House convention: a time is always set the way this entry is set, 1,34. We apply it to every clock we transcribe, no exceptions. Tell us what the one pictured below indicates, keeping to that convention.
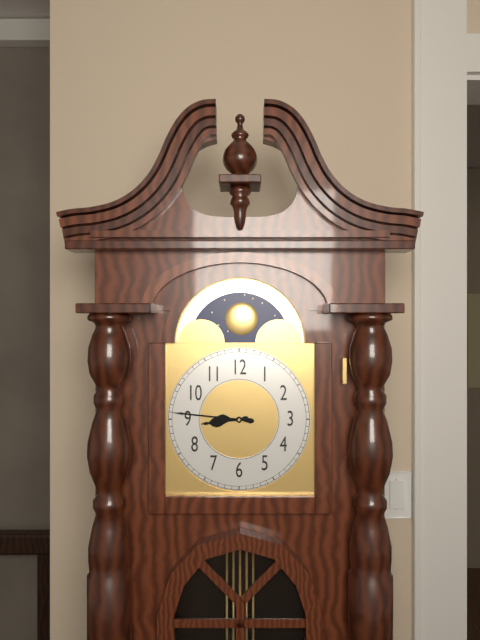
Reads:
8,46
